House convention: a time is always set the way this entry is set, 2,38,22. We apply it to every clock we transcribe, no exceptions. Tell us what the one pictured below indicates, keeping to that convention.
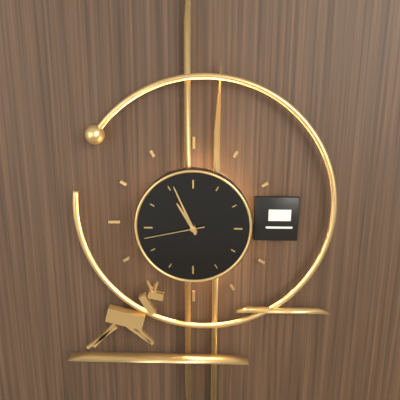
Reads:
10,56,43
